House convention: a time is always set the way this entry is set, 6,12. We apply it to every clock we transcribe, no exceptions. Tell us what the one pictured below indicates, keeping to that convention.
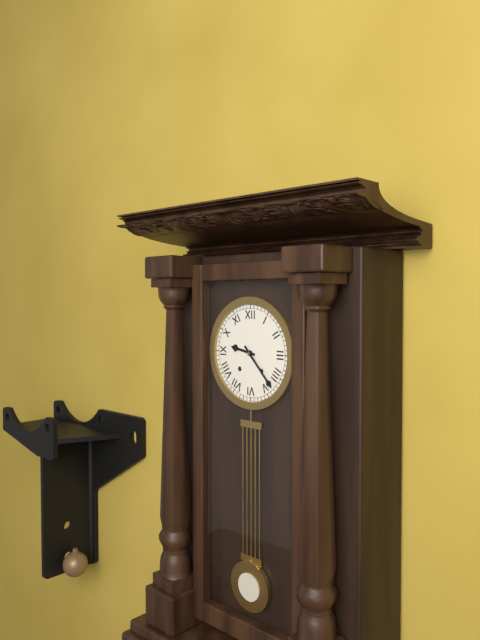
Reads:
9,23
